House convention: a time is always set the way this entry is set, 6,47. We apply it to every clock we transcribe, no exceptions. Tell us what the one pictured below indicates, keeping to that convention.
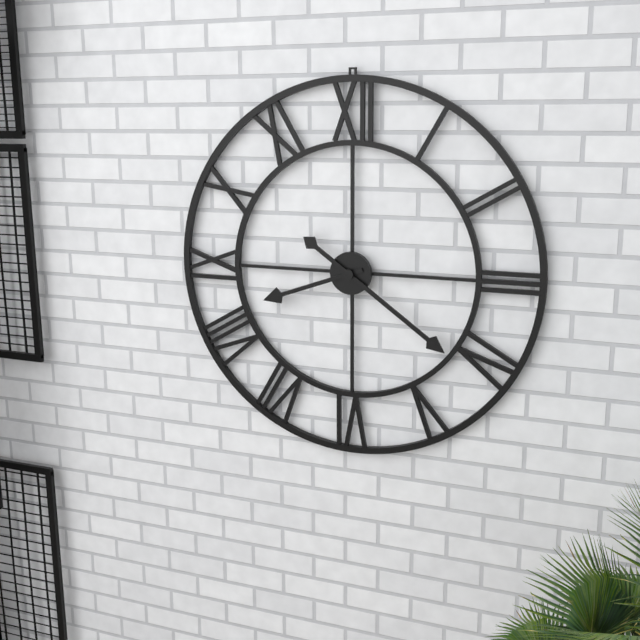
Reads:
8,21
